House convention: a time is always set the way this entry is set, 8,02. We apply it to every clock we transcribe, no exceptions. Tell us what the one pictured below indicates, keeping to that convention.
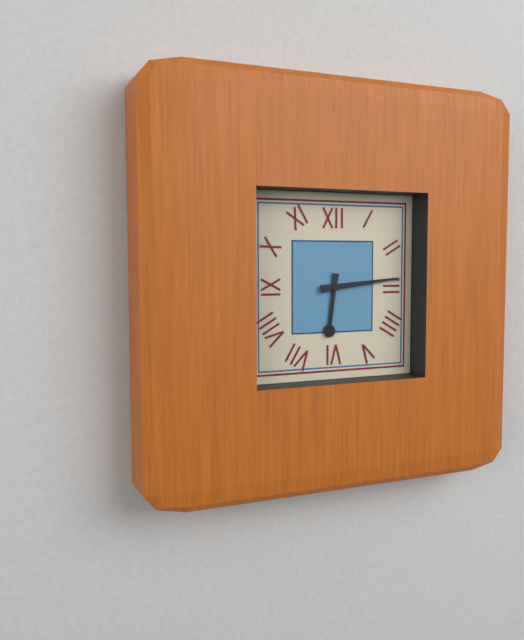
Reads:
6,14
